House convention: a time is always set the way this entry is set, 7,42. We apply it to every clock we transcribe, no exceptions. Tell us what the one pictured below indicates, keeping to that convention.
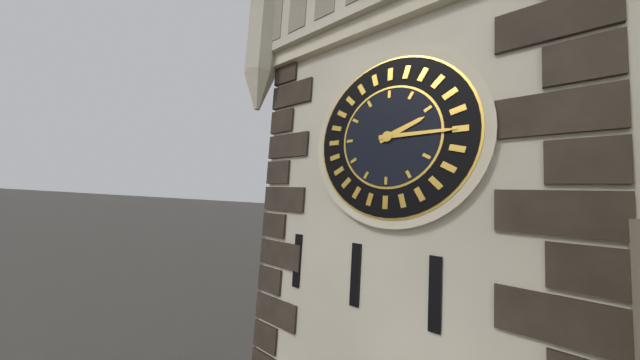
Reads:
2,15
